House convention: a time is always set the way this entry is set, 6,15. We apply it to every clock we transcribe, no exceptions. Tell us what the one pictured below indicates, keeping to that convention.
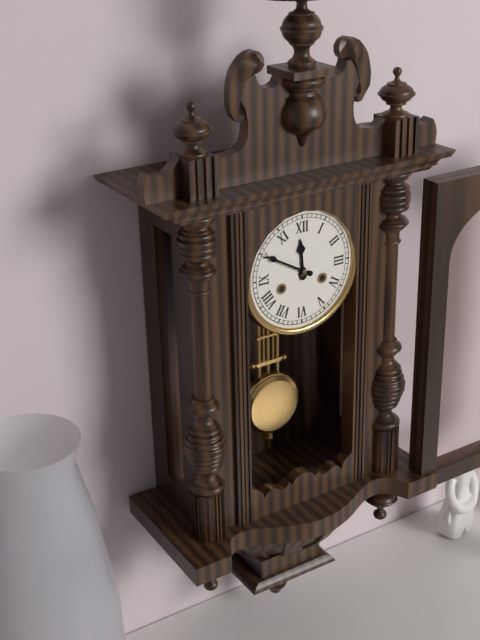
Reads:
11,50
